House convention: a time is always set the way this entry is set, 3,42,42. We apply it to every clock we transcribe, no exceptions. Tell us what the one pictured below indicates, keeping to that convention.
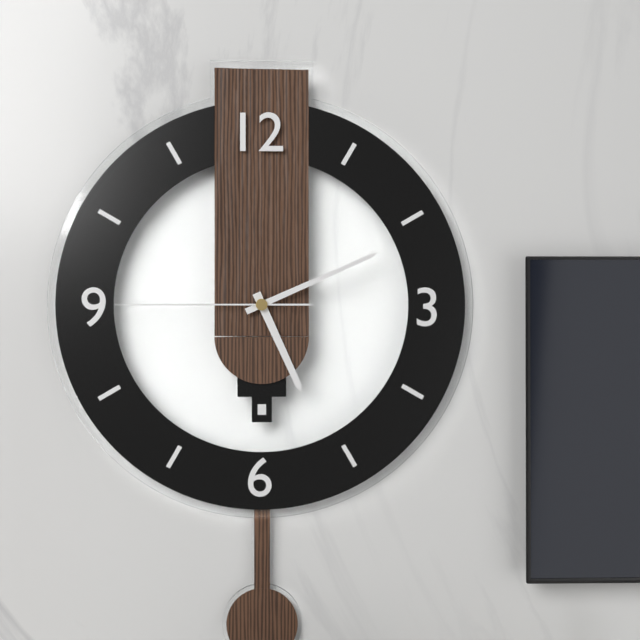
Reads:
5,11,45
